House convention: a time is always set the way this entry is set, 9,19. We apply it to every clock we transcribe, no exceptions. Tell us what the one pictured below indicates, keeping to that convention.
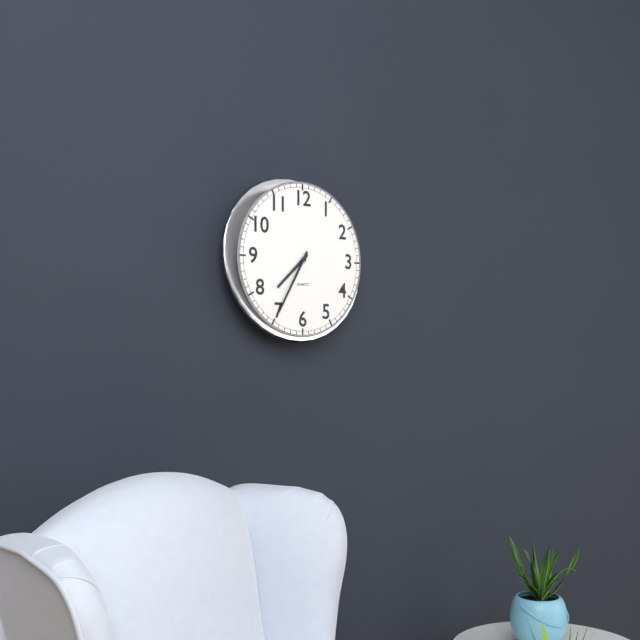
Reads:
7,35
